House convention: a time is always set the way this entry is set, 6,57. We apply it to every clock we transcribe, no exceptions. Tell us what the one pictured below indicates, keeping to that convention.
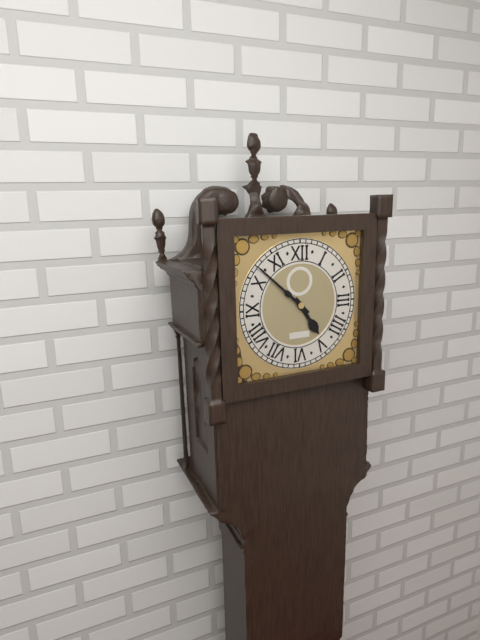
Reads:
4,52
